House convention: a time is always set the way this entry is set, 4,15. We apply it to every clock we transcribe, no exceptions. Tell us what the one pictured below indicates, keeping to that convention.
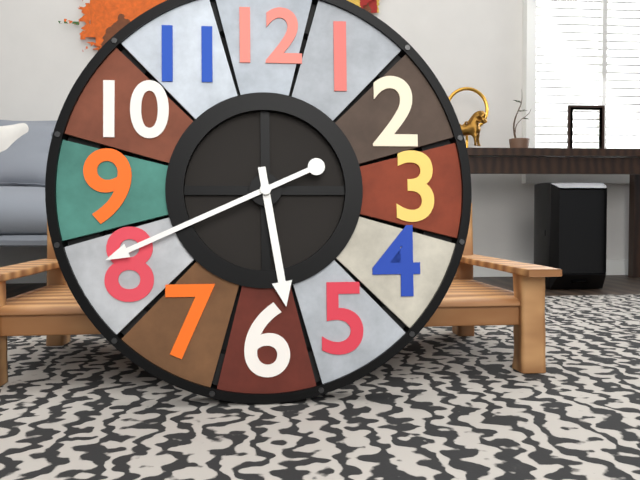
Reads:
5,41
